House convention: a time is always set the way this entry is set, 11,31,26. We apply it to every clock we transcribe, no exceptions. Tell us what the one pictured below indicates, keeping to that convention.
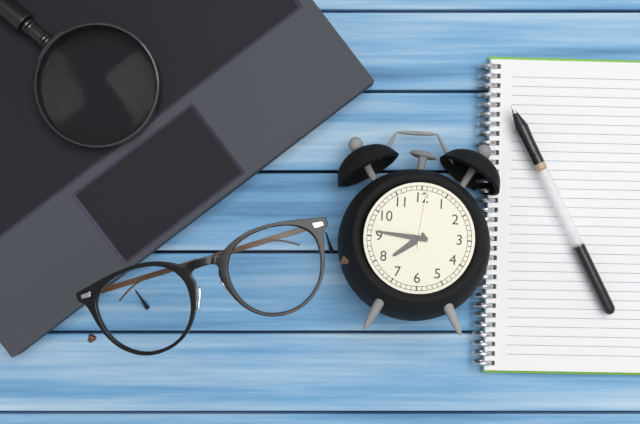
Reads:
7,46,01
